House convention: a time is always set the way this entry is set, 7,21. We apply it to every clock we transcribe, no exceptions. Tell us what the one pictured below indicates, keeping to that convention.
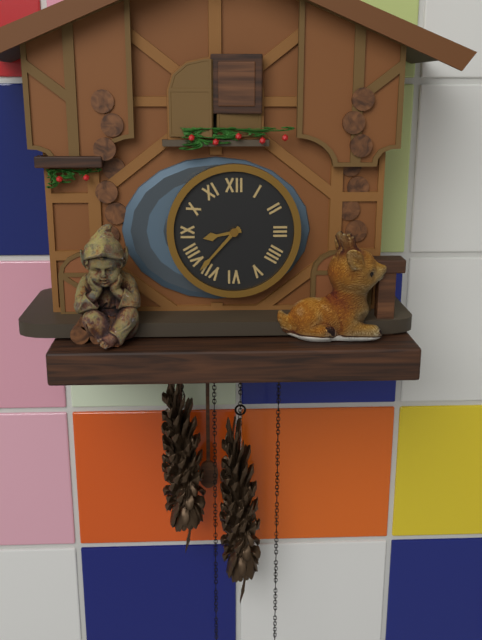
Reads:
8,37
